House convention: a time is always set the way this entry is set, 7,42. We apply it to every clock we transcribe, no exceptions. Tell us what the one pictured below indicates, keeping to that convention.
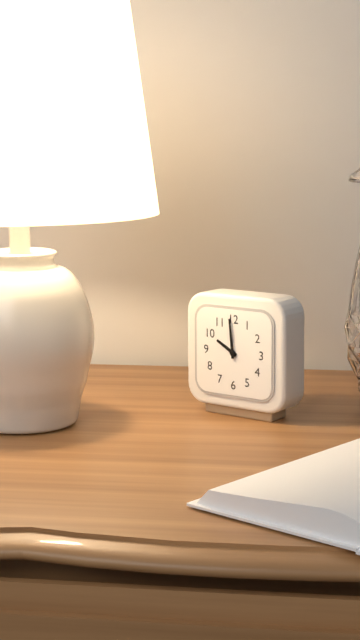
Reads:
9,59
